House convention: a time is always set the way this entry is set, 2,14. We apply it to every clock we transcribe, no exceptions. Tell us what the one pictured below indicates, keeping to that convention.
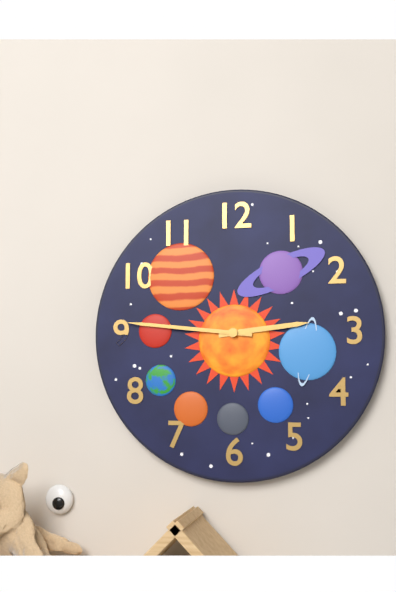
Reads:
2,46
